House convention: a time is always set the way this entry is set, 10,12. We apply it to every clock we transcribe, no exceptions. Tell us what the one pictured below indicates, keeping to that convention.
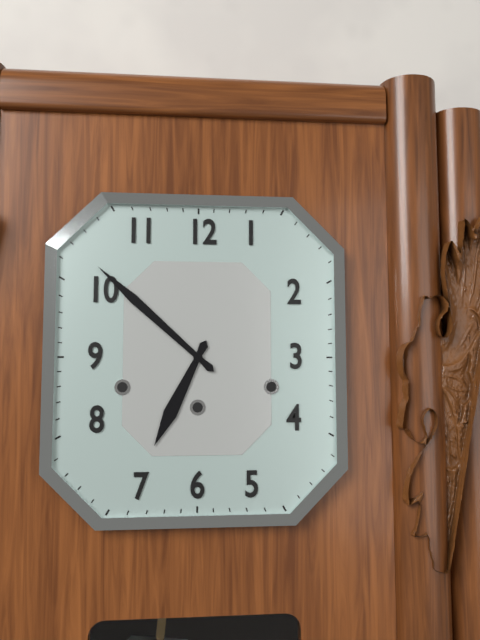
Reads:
6,52
